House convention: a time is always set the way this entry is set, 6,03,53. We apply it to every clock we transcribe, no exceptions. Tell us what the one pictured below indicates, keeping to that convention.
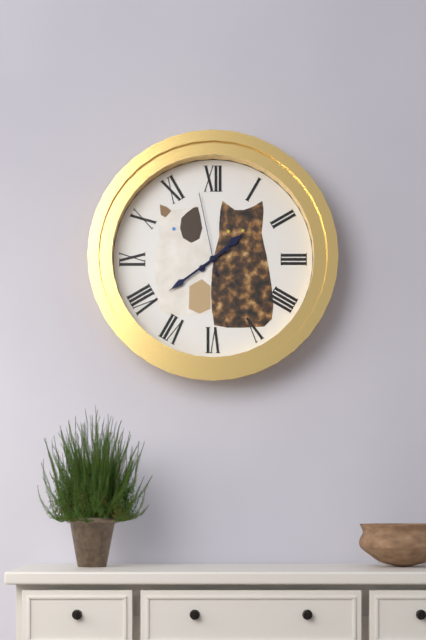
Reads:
1,39,58
